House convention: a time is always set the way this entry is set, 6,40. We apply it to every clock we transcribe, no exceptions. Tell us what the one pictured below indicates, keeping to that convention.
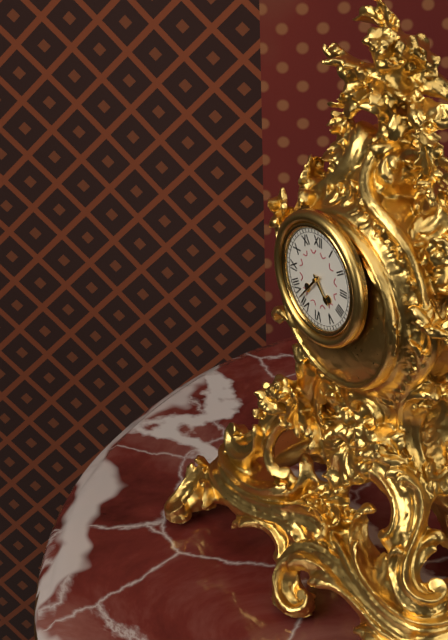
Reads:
4,37
